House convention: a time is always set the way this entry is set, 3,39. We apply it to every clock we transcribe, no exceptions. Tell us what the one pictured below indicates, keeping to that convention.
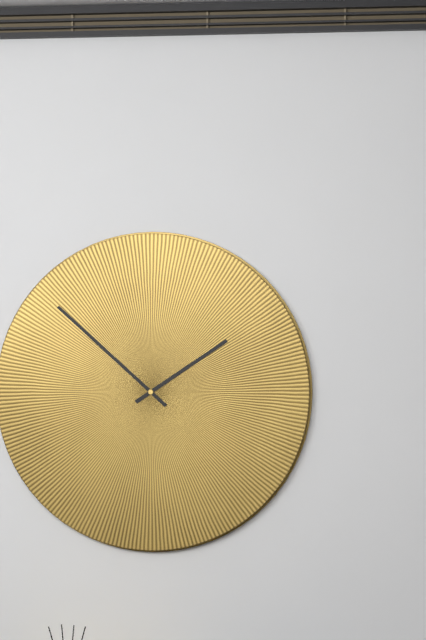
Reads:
1,52
